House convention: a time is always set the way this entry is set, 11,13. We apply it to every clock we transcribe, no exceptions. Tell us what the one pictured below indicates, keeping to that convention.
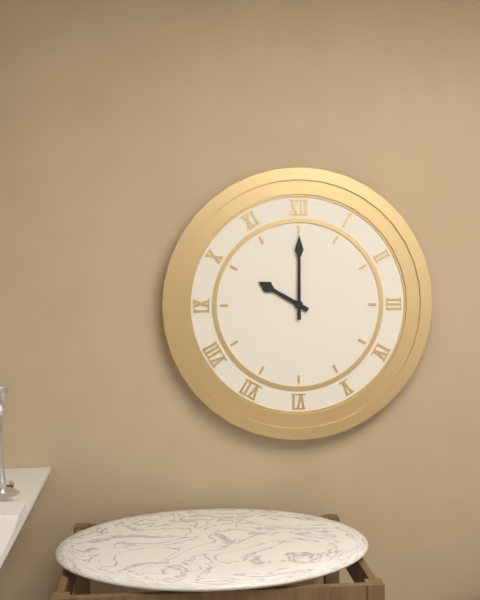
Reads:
10,00
